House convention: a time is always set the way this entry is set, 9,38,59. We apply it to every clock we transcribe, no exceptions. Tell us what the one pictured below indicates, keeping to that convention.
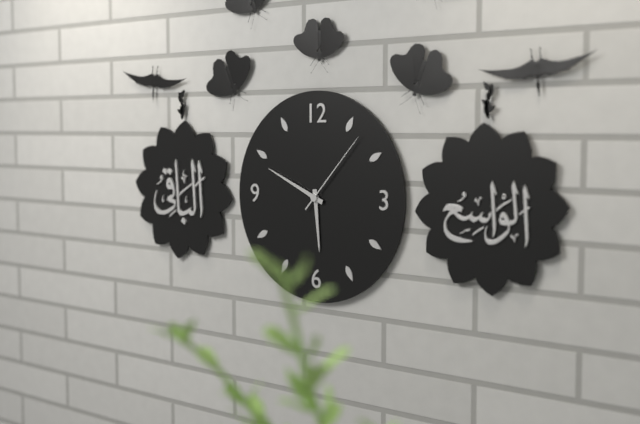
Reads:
5,49,07
